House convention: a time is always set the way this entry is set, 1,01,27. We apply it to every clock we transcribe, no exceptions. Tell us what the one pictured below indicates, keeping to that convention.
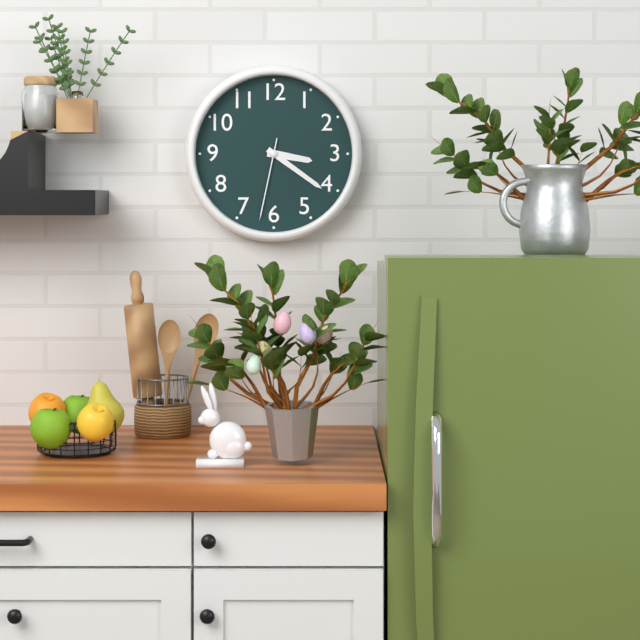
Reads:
3,21,32
